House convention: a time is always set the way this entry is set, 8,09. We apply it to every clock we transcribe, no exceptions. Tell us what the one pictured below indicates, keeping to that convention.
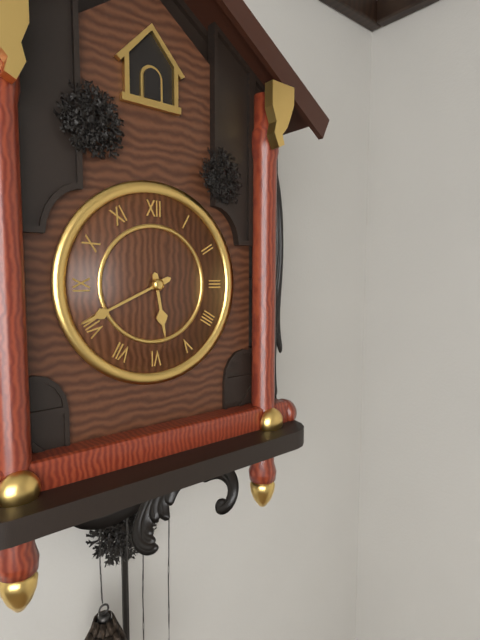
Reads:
5,41
